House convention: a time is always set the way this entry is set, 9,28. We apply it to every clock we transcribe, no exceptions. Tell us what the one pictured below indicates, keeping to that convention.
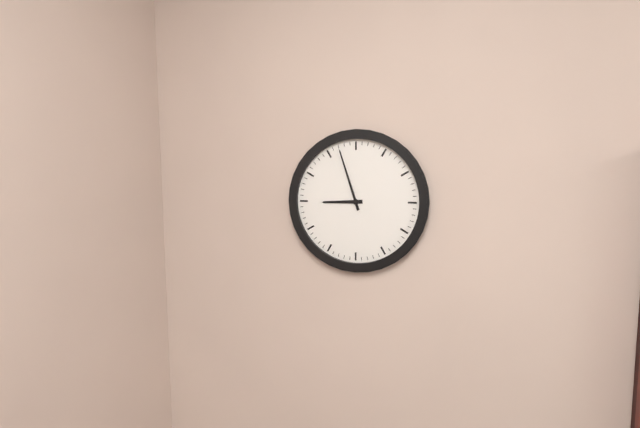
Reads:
8,57
